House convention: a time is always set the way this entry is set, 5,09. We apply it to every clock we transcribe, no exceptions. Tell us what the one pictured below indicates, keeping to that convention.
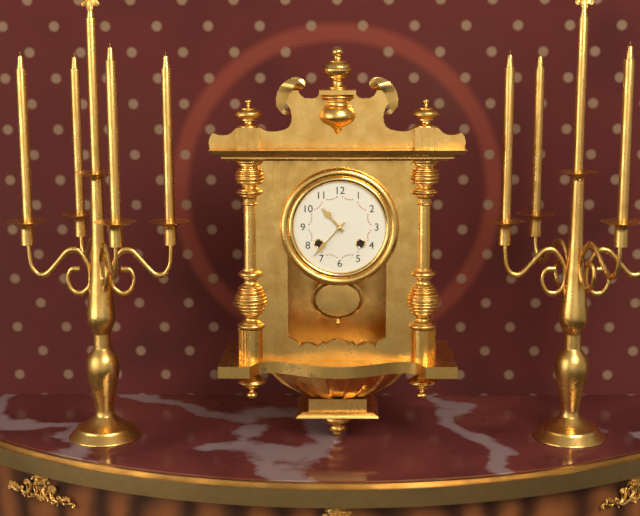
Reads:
10,37
